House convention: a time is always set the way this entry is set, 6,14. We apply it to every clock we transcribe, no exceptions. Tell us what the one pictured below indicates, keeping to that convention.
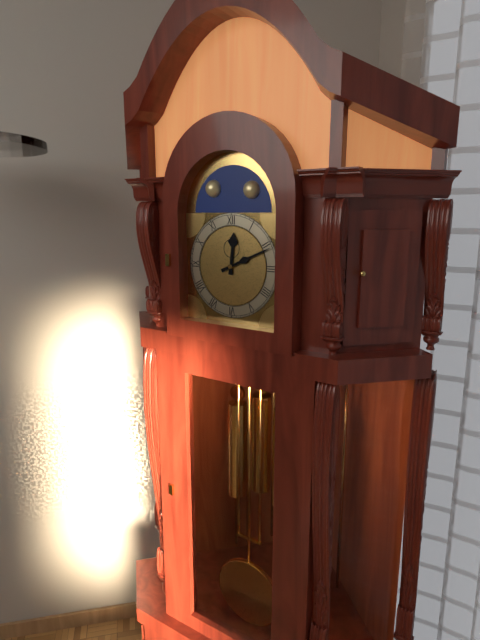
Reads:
12,11
